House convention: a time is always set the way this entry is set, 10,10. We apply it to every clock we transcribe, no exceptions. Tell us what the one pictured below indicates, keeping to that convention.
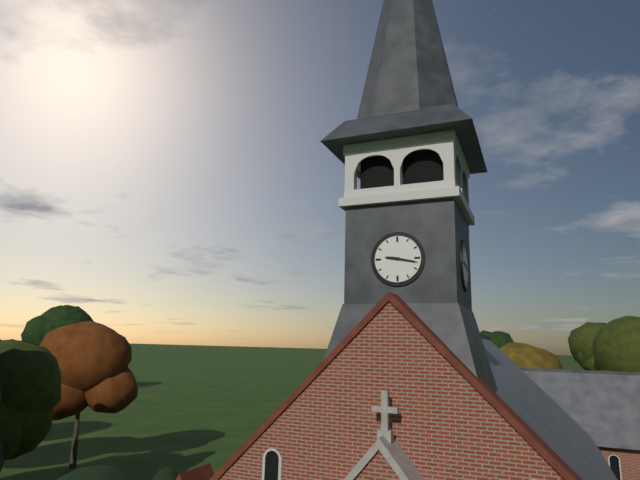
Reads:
9,17
